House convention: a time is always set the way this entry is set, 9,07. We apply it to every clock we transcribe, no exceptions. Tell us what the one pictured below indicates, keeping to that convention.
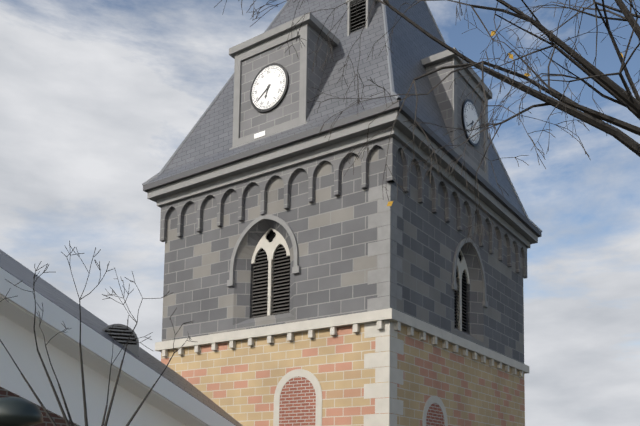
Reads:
6,39
